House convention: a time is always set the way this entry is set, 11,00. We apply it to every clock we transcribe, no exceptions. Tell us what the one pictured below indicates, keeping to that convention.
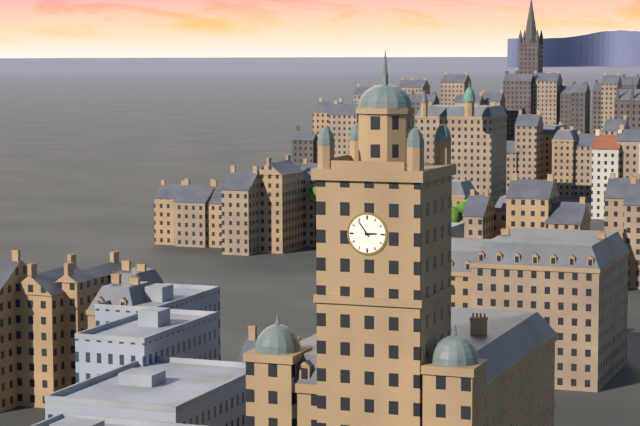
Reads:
2,54
